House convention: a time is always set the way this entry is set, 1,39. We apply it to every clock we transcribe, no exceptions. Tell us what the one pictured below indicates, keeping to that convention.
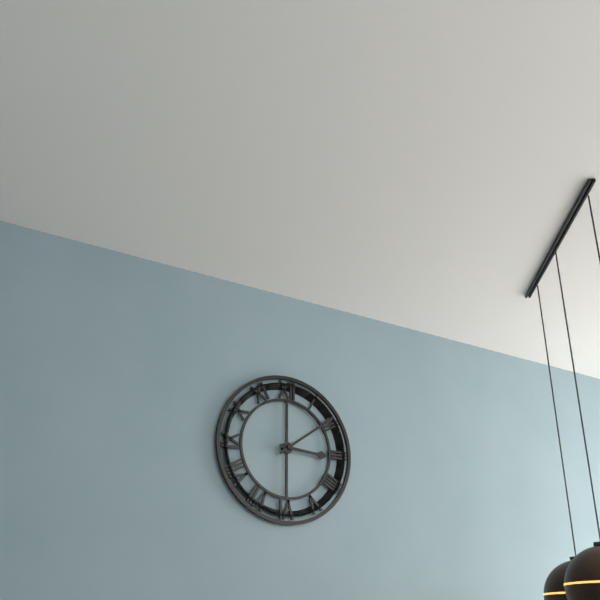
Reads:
3,09
